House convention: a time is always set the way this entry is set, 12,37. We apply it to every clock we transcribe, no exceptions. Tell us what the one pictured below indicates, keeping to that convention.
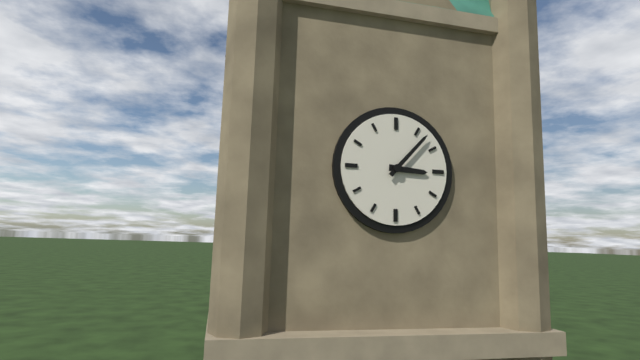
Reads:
3,07
